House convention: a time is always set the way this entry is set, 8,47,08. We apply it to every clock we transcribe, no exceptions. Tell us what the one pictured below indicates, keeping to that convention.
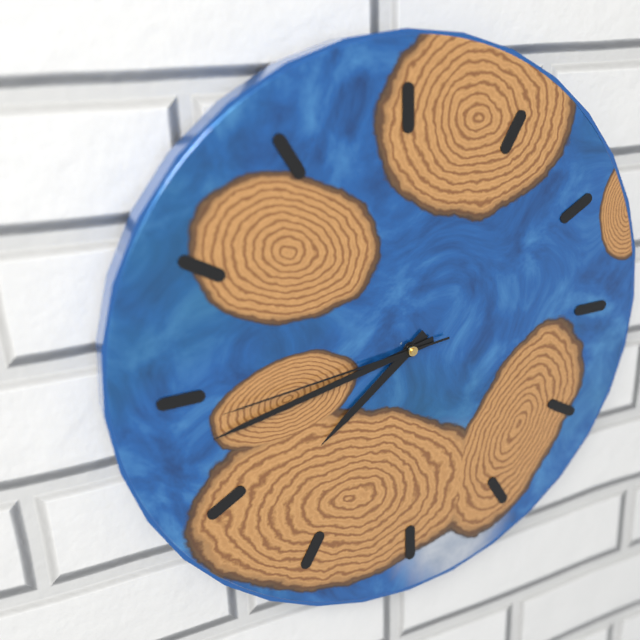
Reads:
7,43,44
